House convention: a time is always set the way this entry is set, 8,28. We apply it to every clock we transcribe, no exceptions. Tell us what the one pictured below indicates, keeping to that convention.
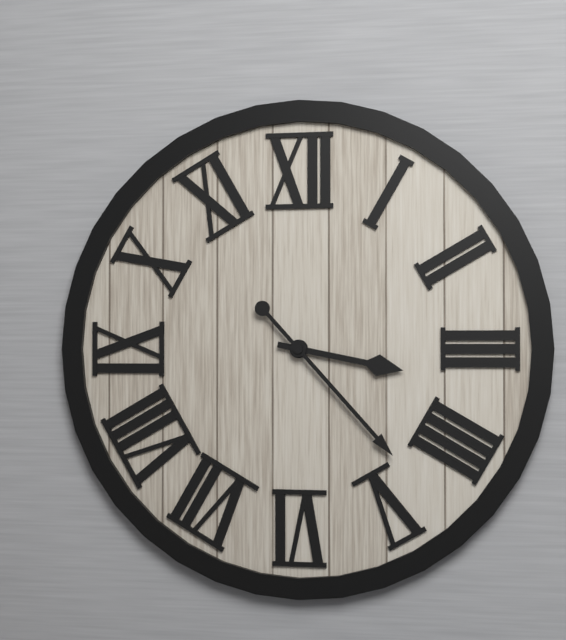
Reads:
3,23
